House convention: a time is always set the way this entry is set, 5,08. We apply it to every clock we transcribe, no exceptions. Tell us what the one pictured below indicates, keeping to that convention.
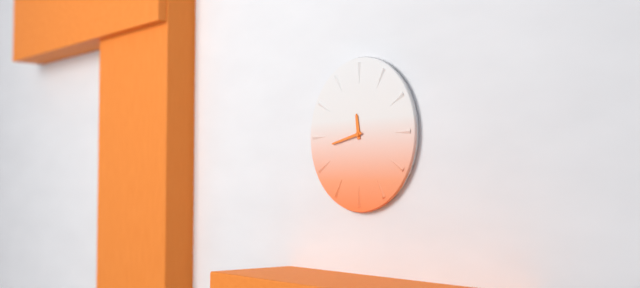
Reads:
11,43
